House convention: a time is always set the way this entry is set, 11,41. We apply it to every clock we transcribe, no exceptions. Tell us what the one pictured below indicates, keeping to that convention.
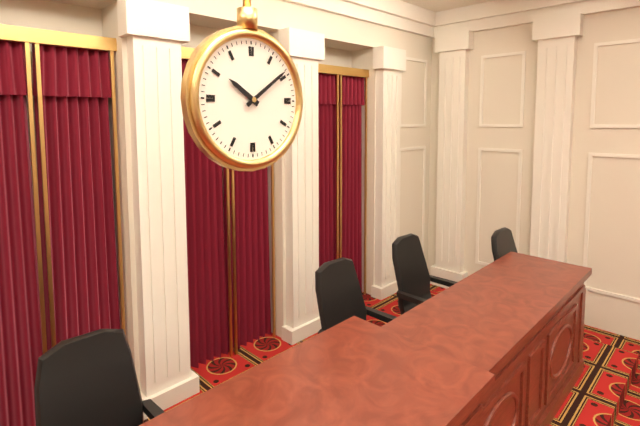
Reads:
10,09
